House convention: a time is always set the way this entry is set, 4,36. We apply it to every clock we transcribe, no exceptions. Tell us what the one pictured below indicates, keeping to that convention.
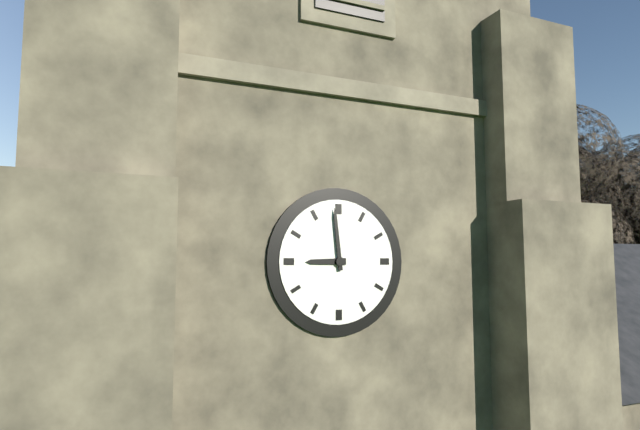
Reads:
8,59
